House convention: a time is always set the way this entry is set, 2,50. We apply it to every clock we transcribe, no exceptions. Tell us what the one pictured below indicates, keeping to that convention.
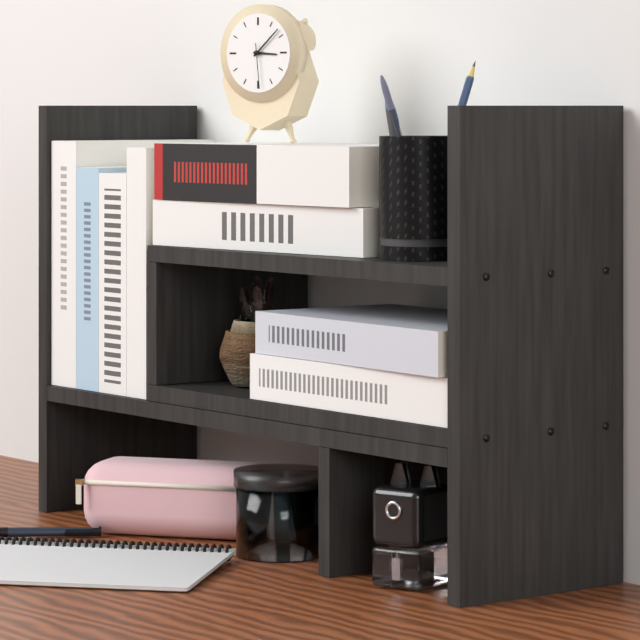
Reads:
3,08
